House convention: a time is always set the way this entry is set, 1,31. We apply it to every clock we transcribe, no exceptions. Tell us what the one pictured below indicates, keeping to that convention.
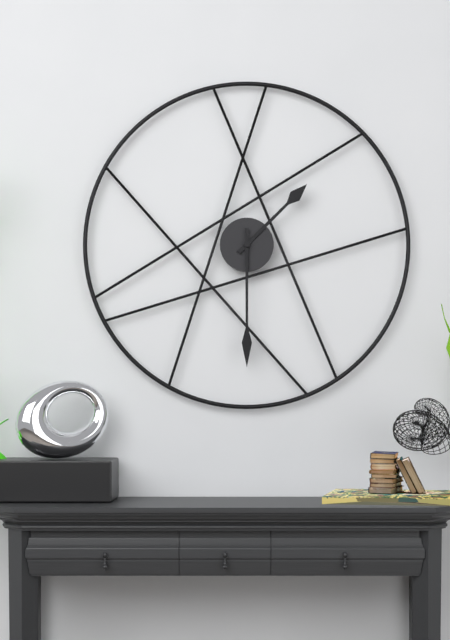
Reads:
1,30
